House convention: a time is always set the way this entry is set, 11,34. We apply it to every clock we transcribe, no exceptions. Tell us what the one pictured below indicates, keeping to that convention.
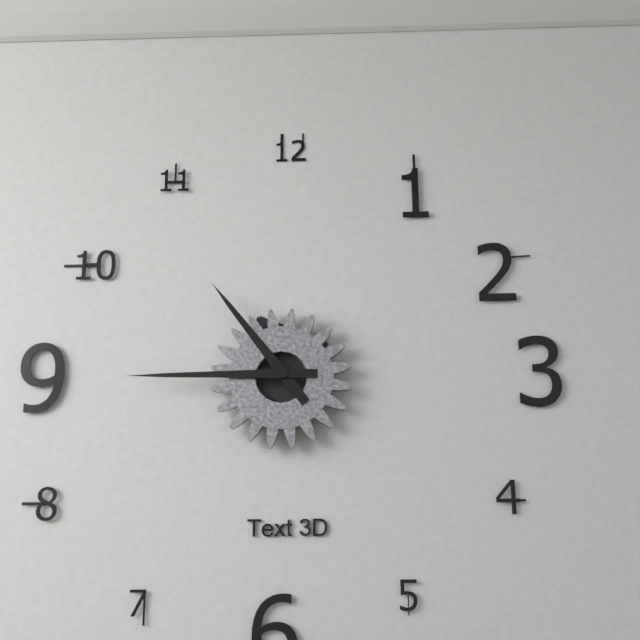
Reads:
10,45
